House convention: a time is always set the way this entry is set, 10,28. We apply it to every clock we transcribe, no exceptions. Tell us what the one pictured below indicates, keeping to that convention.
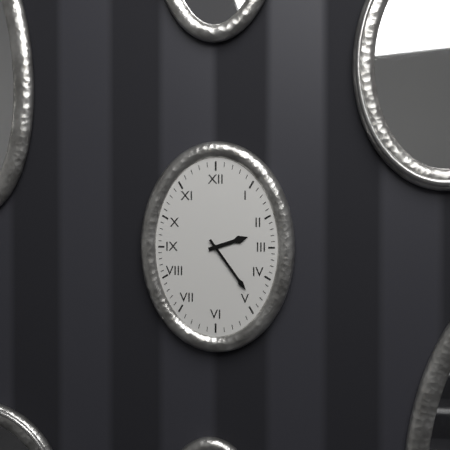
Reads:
2,24
